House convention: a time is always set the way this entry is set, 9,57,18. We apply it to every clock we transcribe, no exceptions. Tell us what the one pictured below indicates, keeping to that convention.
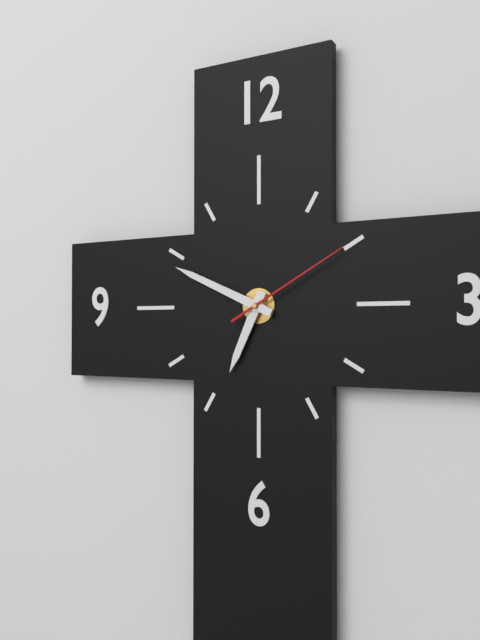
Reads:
6,49,10
